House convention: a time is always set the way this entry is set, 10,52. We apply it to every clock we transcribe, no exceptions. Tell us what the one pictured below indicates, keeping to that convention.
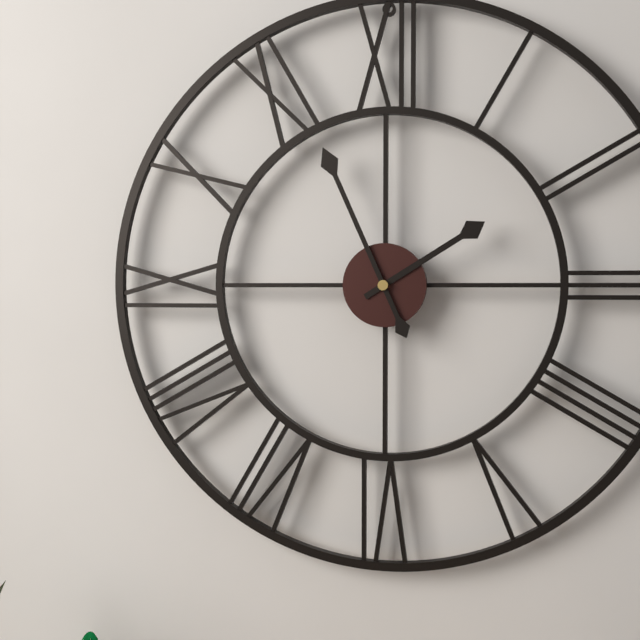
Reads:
1,56
